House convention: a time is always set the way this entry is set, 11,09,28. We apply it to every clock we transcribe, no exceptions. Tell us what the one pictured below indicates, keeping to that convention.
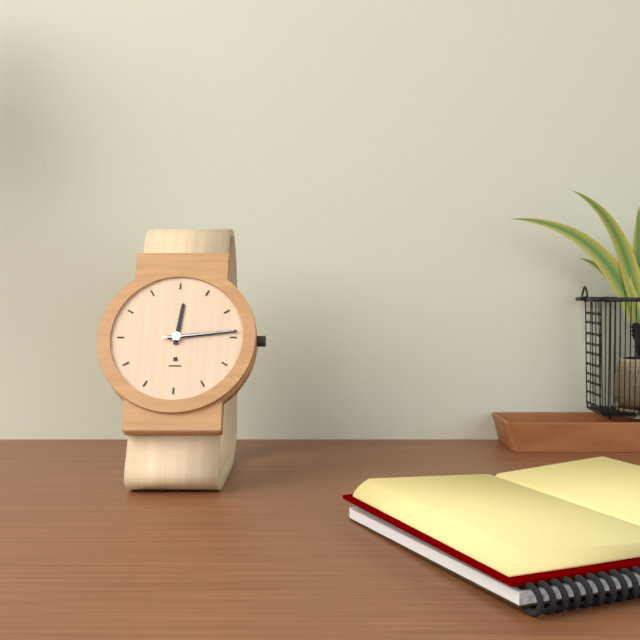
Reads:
12,14,14
